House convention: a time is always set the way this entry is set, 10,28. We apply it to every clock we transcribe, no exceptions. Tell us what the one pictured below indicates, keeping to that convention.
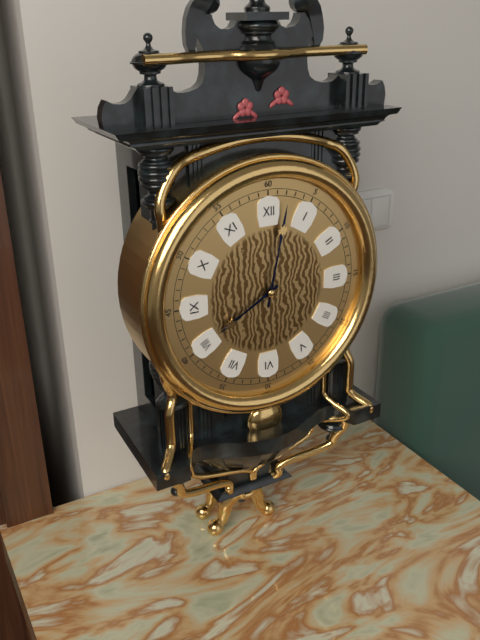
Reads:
8,02
